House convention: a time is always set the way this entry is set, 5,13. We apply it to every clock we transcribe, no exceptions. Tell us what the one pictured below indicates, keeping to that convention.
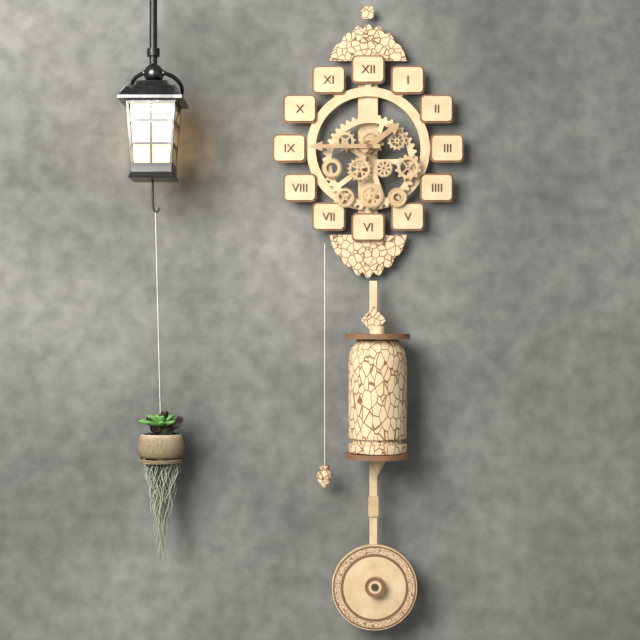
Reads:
1,45
